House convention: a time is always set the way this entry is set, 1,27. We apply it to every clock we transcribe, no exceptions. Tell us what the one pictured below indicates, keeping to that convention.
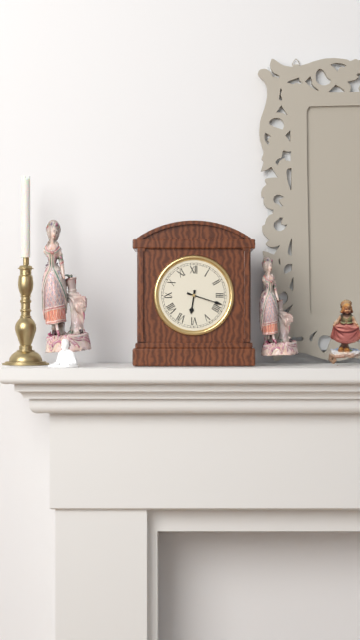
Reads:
6,18
